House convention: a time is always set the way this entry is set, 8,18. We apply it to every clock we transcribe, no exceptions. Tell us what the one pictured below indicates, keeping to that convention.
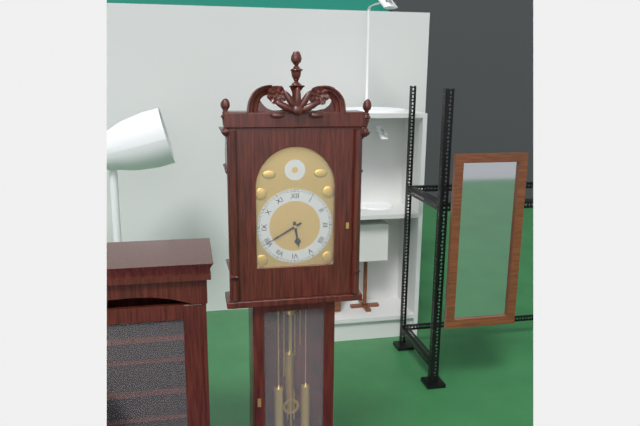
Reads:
5,40
